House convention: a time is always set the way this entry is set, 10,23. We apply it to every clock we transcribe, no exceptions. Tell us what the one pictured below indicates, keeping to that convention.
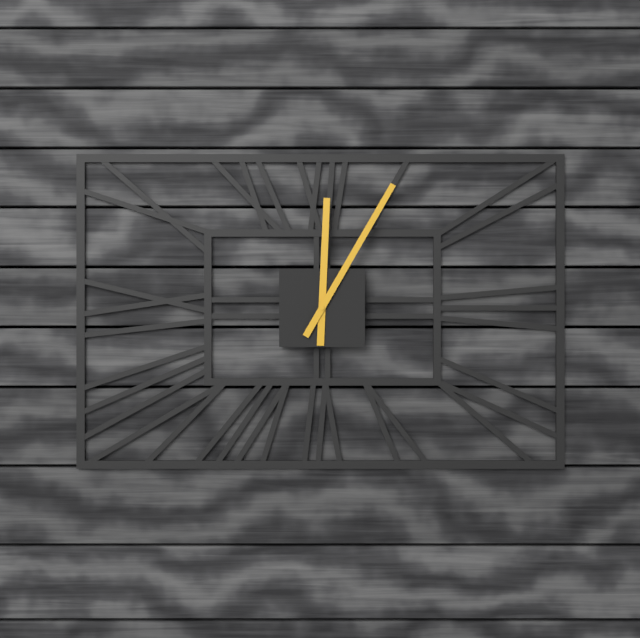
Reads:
12,05
